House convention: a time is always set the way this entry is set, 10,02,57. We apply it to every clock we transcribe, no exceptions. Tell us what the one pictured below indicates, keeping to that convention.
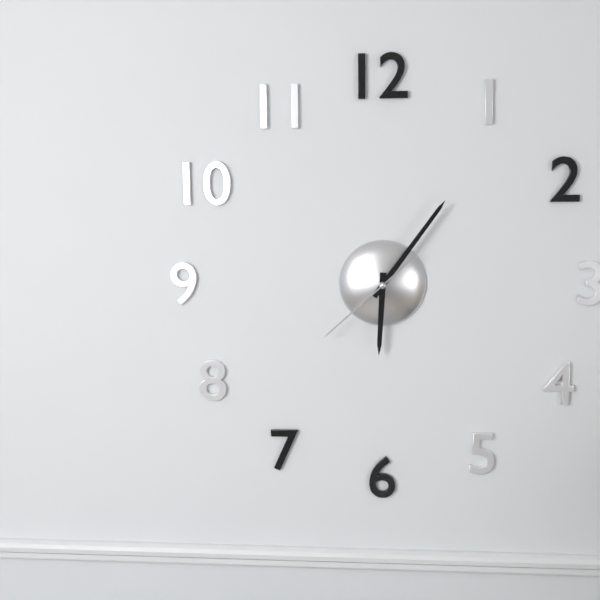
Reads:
6,06,38
